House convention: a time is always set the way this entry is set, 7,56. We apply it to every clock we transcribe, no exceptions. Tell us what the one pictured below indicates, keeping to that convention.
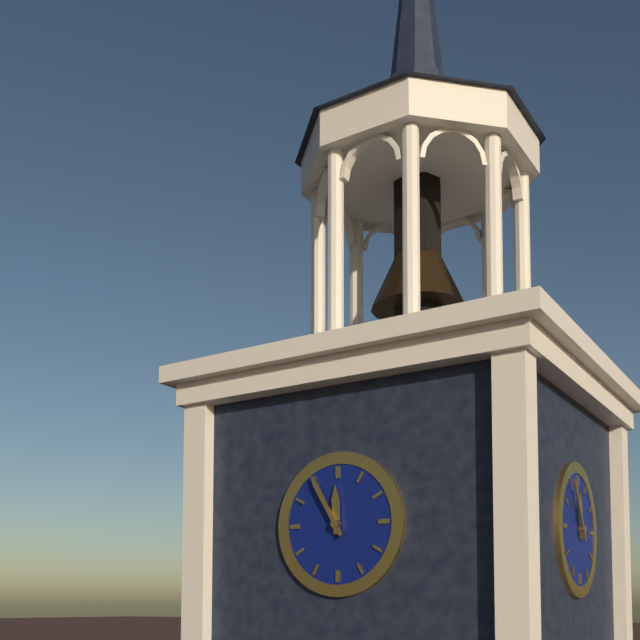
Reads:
11,55
